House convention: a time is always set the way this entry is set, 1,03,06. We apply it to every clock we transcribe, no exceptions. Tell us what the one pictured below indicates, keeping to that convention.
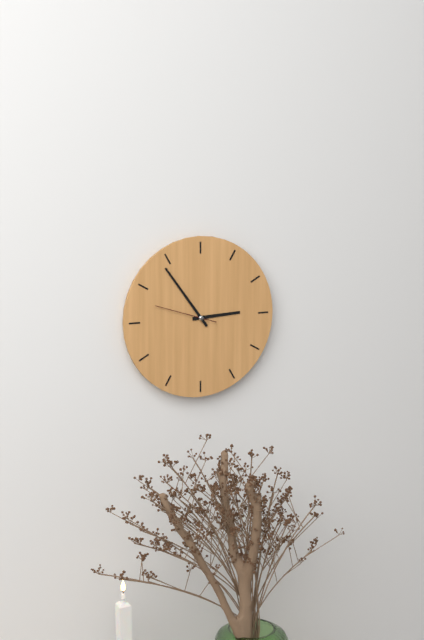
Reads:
2,54,48
